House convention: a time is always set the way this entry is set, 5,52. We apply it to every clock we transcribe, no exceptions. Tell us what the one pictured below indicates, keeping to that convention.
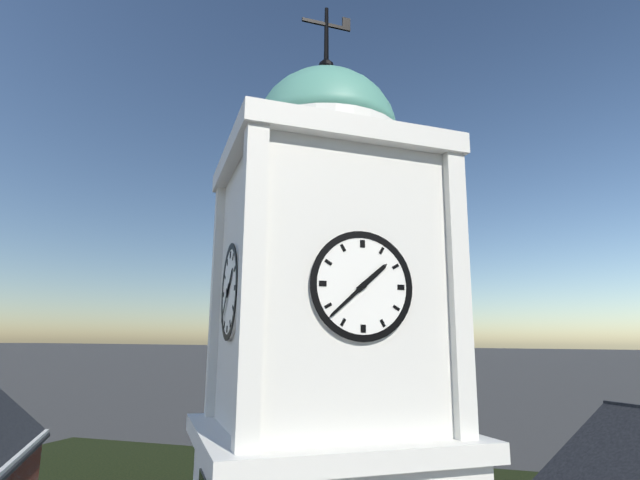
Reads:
1,38
